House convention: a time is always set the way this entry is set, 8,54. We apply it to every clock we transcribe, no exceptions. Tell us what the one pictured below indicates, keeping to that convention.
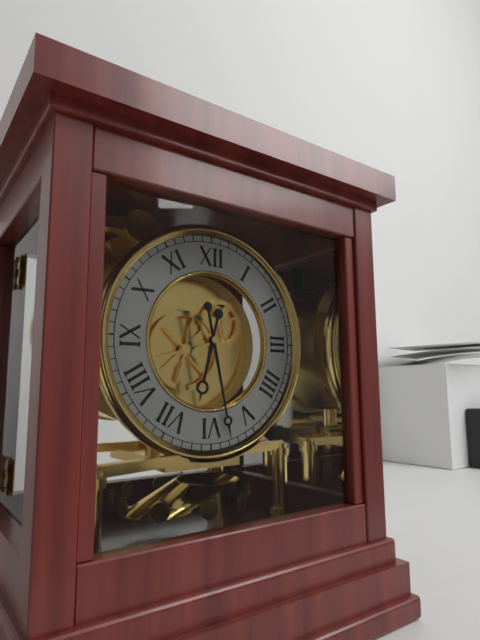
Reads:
6,28
